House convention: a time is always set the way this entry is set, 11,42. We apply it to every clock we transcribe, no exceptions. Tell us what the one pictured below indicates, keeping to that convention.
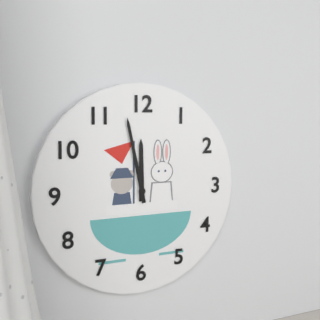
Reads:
11,58
